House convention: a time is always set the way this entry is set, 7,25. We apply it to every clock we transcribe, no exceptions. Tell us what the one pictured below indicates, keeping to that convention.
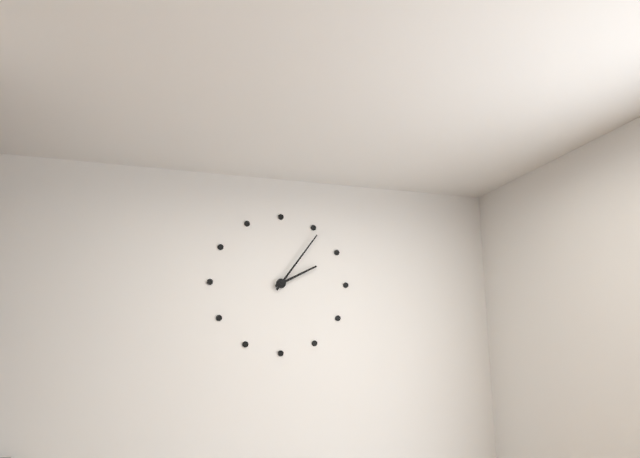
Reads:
2,06
